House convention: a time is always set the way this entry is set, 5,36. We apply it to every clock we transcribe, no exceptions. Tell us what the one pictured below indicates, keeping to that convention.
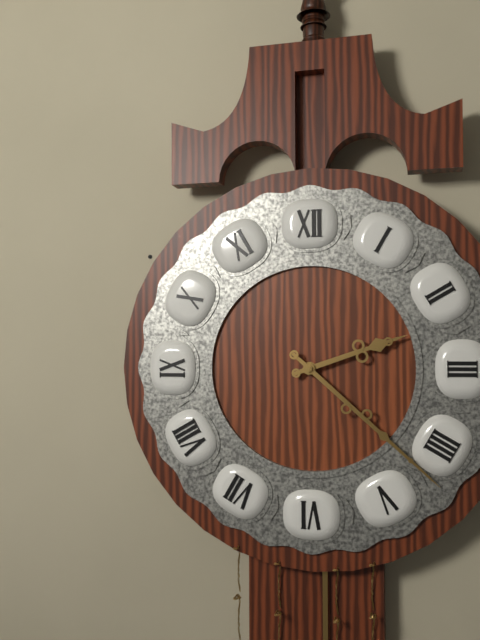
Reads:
2,22
